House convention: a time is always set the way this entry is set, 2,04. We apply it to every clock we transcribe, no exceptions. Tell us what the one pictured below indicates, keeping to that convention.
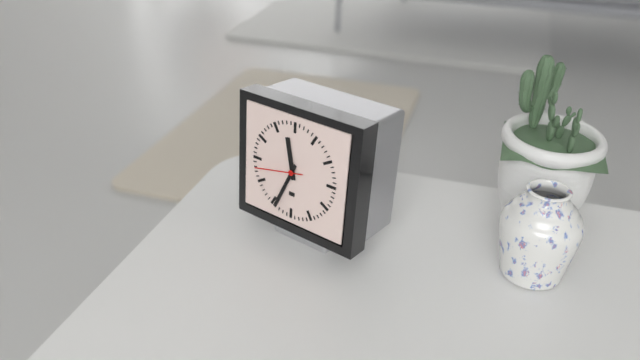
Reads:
11,34
